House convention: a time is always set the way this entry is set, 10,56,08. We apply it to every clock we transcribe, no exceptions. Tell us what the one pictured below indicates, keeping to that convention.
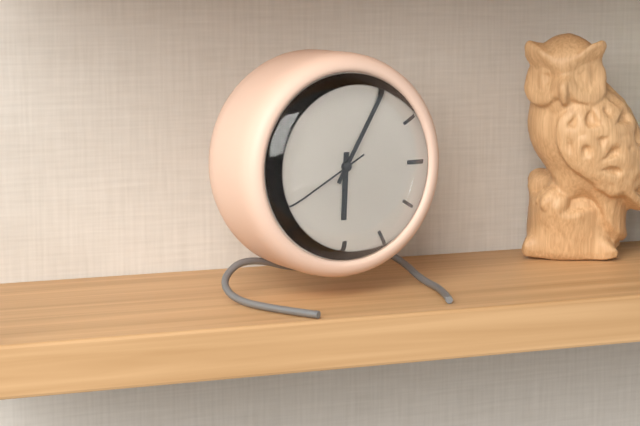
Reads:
6,05,40
